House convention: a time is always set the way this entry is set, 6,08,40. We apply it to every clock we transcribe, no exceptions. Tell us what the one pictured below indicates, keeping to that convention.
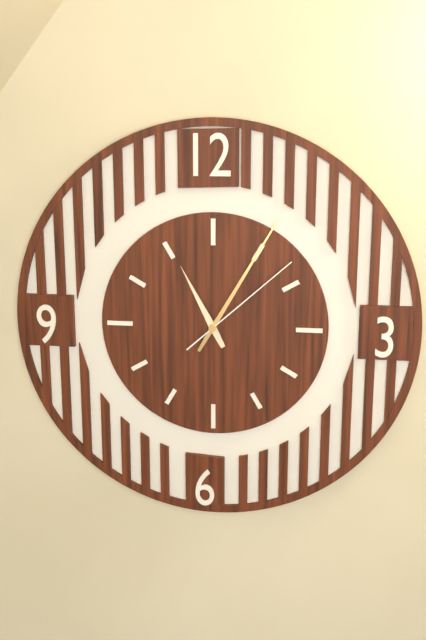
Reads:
11,05,08
